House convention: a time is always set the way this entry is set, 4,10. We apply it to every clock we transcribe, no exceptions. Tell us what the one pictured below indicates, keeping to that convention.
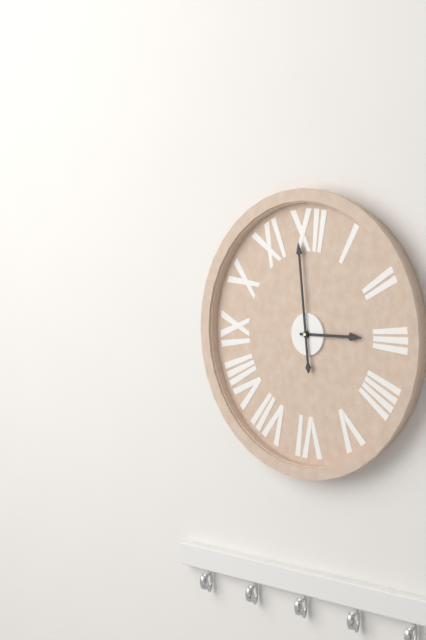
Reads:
2,59
